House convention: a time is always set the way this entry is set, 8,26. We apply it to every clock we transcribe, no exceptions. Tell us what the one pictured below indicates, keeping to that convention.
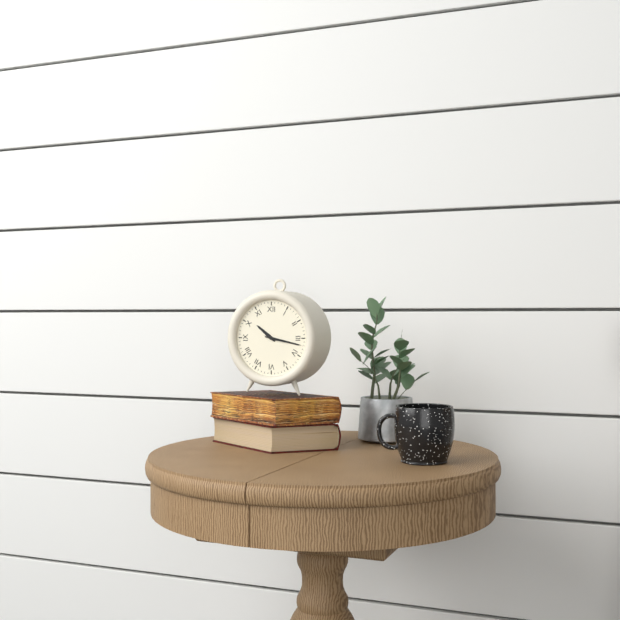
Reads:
10,17
